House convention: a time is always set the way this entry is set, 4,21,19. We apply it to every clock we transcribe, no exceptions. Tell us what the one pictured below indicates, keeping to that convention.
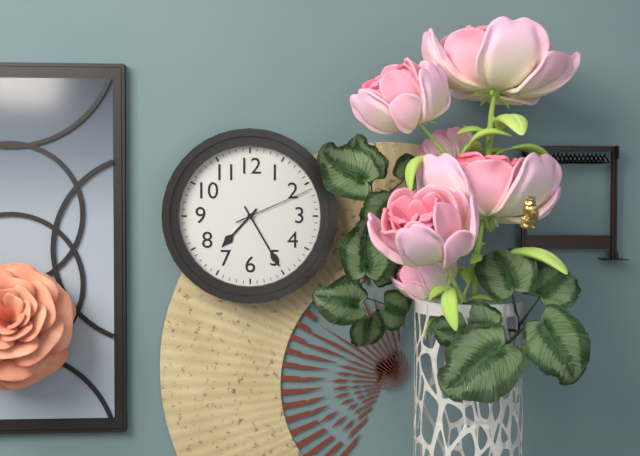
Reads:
7,25,11
